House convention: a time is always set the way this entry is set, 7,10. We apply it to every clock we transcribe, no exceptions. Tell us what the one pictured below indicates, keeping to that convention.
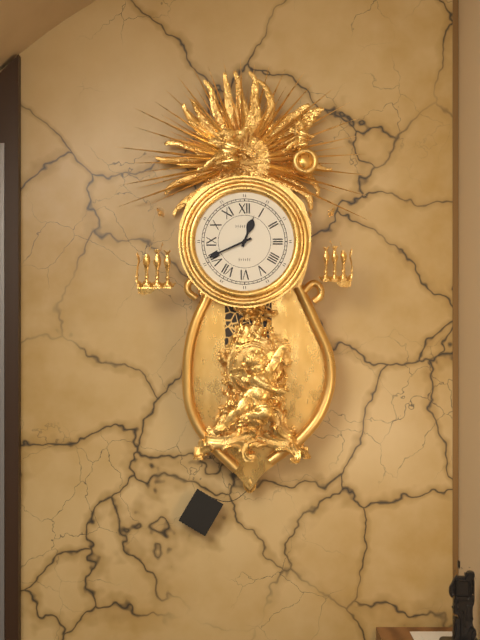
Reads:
12,41
